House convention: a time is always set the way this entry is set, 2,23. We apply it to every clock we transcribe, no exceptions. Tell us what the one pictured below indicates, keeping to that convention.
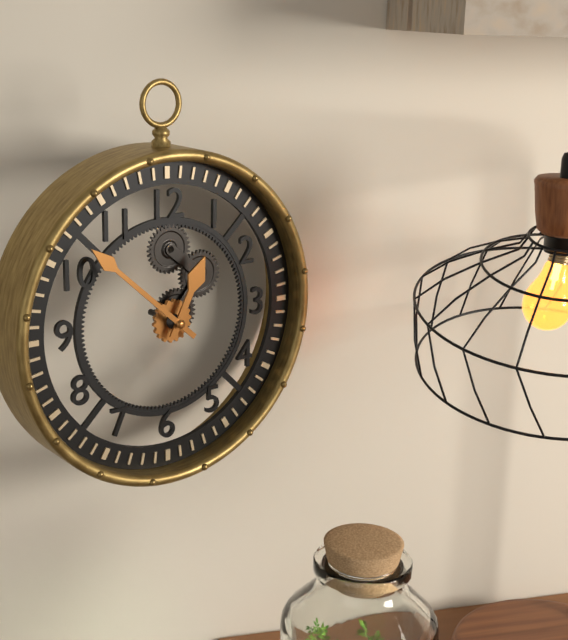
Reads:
12,52
